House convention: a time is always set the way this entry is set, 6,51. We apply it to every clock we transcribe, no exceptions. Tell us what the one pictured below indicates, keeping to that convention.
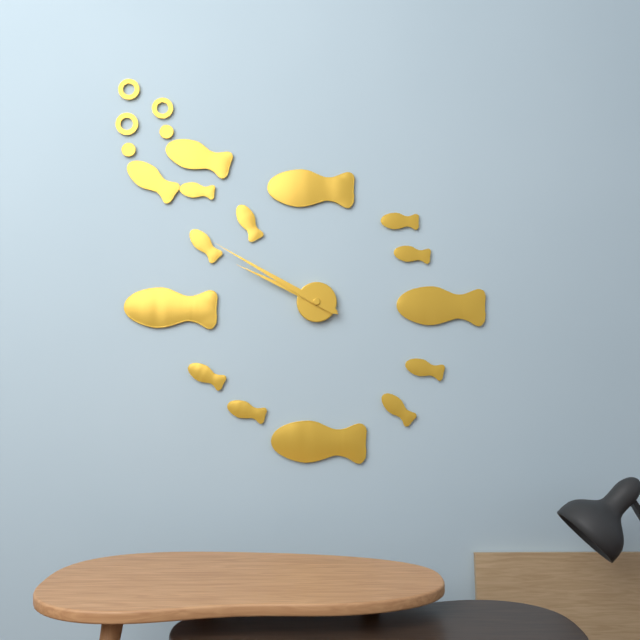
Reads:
9,50
